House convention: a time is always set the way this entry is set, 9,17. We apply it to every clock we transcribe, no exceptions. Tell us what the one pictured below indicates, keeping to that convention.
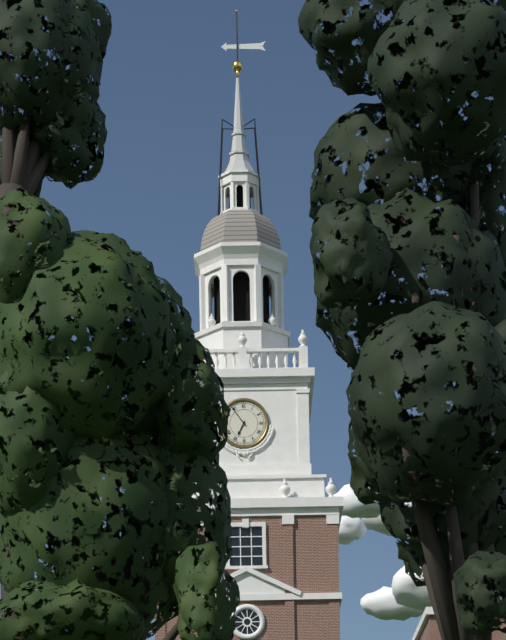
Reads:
6,54
